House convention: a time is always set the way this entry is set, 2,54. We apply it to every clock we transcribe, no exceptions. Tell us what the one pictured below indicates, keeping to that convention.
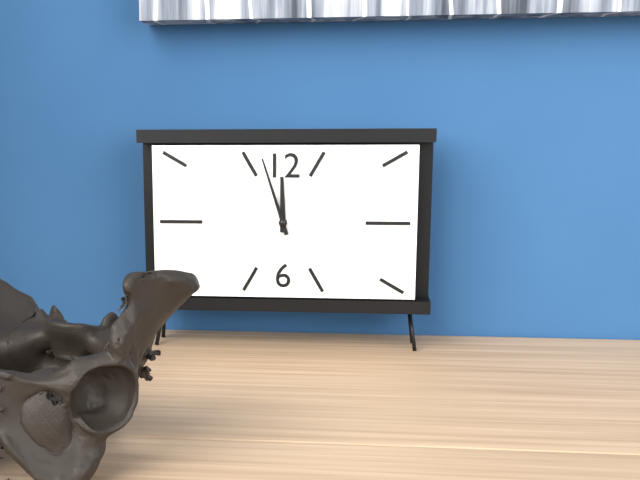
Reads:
11,57
